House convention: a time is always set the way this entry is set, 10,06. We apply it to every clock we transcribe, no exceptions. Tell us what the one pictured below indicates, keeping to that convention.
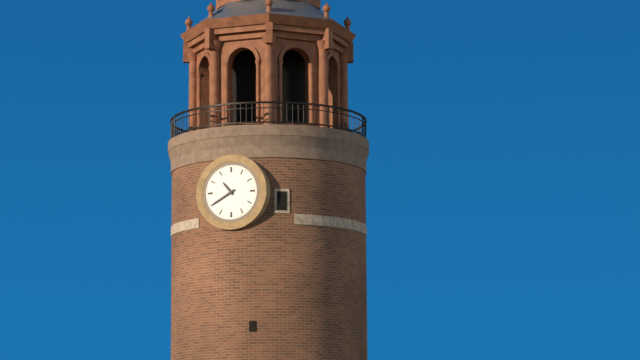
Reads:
10,40
